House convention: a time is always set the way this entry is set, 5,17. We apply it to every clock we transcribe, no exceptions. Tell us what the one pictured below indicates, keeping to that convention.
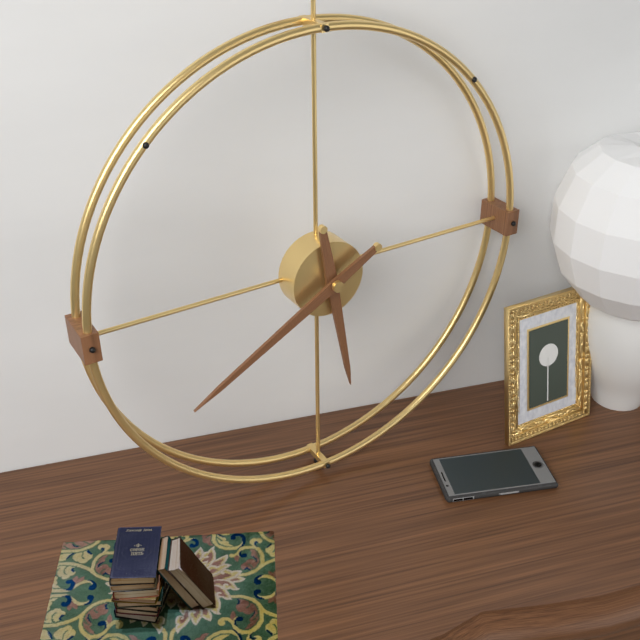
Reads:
5,40
